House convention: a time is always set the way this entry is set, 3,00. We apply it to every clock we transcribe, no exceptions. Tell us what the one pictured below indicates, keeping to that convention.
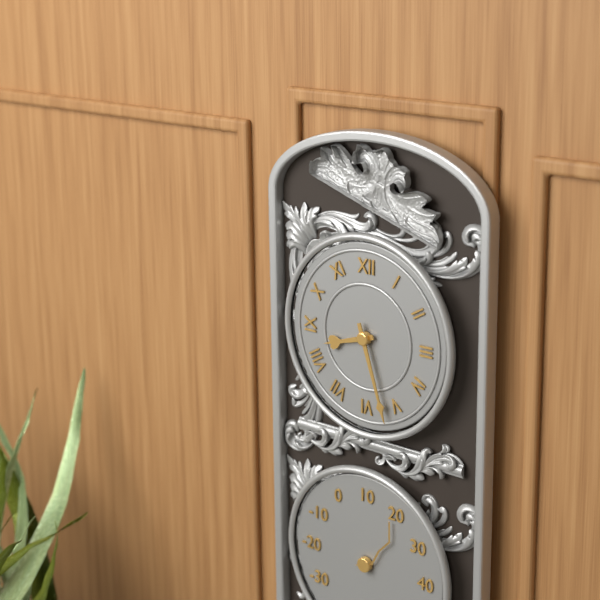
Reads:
8,27
